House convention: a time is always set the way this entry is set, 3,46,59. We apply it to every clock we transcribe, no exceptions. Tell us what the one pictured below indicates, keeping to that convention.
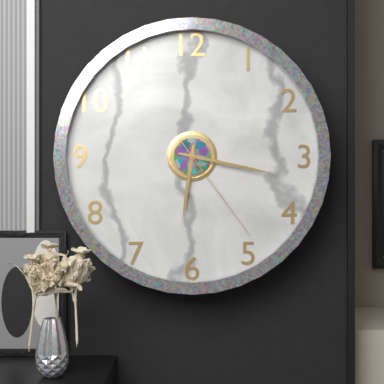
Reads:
6,17,24
